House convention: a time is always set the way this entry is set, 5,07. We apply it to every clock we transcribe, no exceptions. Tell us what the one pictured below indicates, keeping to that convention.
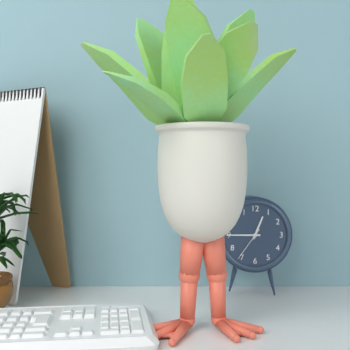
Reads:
12,45
